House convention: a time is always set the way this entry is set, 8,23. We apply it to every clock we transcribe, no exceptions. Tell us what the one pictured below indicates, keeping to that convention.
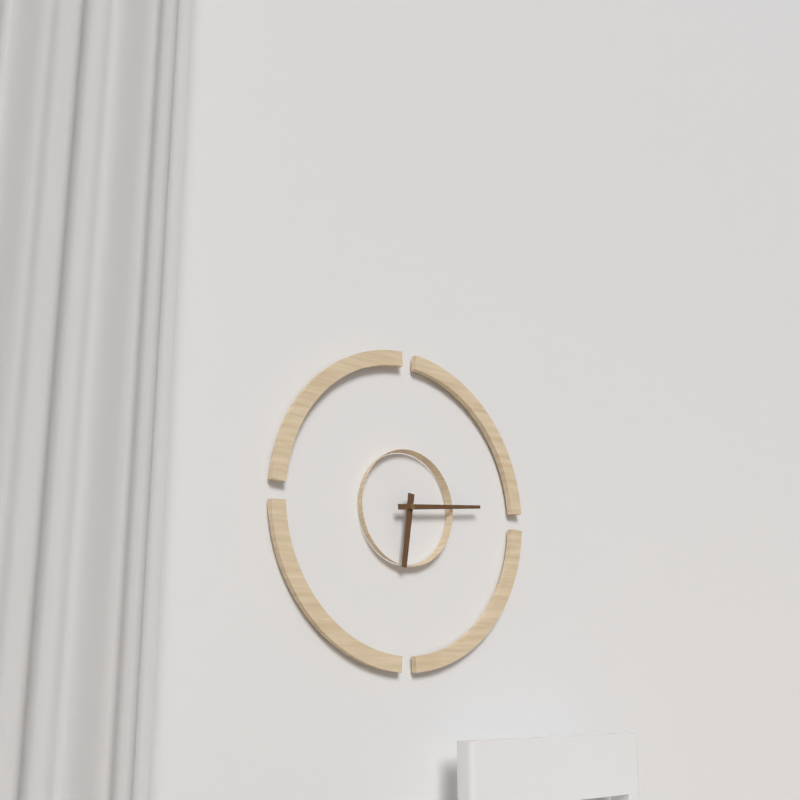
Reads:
6,14
